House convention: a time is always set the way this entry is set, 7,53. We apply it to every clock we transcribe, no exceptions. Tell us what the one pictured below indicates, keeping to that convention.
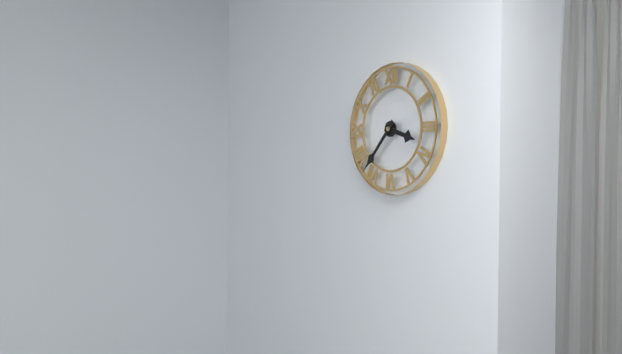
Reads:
3,37
